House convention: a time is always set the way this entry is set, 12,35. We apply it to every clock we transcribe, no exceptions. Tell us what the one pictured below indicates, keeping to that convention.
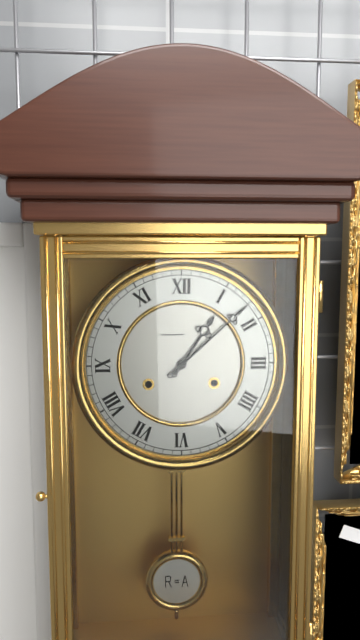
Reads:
1,08
